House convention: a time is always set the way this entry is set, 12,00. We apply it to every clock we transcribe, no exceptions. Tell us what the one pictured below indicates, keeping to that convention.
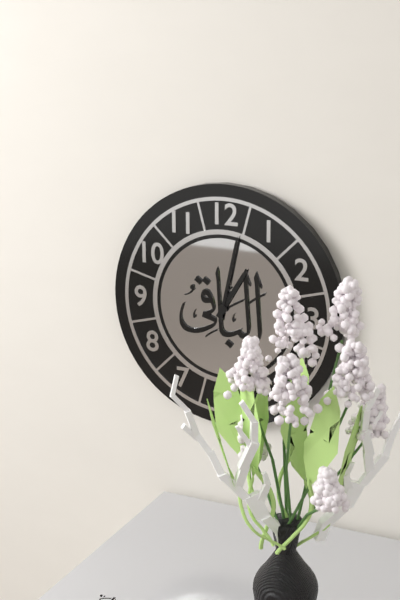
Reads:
1,02
